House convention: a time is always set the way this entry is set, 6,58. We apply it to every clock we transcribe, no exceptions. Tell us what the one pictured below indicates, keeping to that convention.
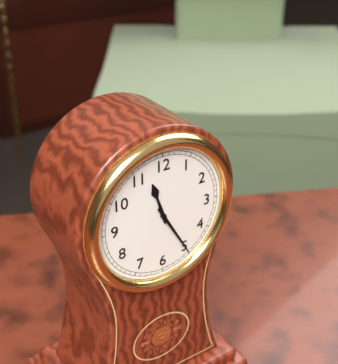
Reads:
11,25
